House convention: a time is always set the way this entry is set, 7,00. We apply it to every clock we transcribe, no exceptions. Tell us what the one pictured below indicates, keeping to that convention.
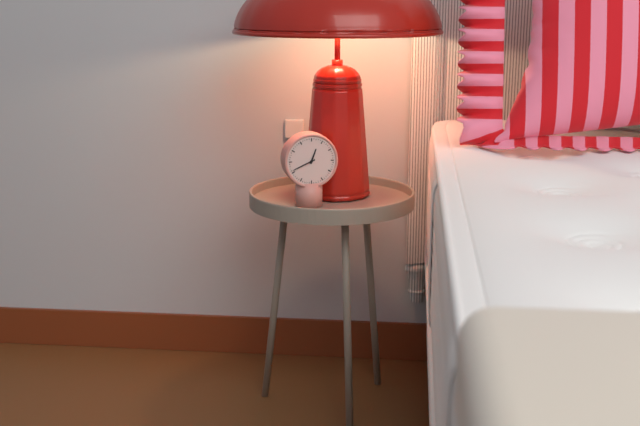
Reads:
12,41
